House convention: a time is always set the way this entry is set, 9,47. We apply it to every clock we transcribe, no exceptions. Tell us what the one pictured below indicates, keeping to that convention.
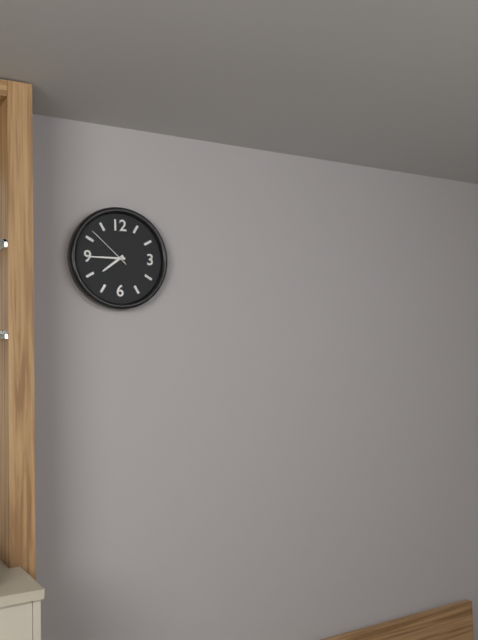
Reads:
7,45
